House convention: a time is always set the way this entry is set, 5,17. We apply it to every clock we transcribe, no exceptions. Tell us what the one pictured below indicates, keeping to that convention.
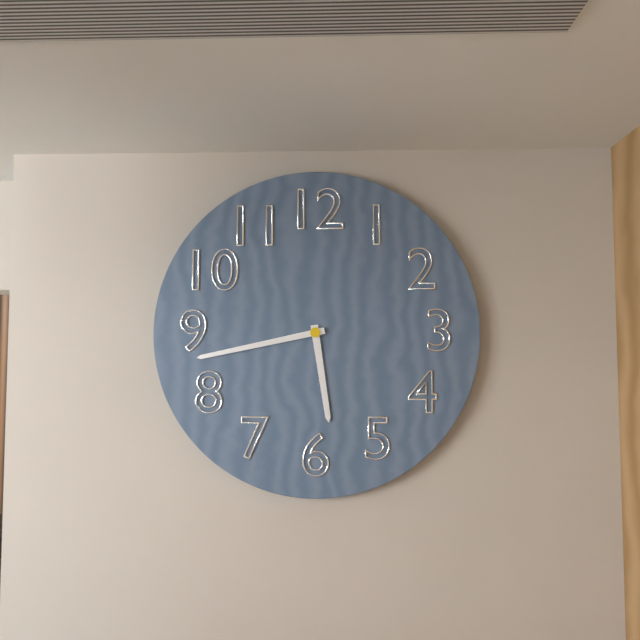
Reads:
5,43
